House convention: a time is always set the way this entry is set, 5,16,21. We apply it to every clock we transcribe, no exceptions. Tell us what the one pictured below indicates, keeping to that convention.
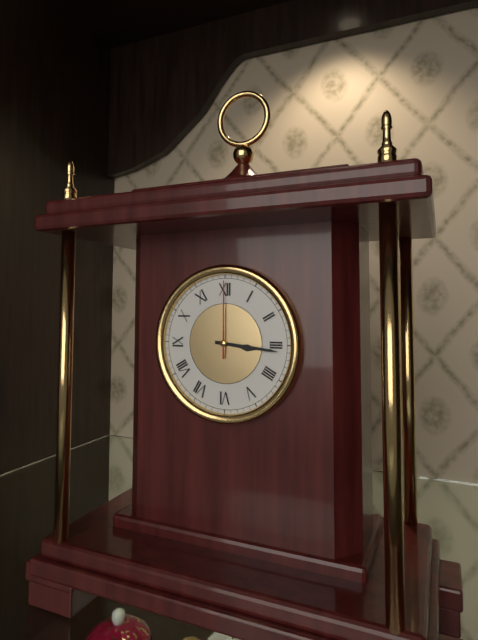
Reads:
3,16,00
